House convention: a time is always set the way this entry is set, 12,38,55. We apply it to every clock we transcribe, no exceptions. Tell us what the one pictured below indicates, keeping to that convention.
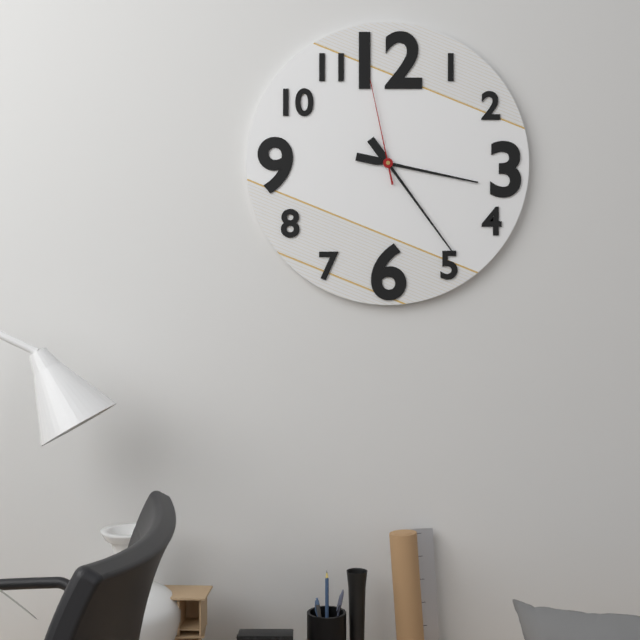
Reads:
3,24,58
